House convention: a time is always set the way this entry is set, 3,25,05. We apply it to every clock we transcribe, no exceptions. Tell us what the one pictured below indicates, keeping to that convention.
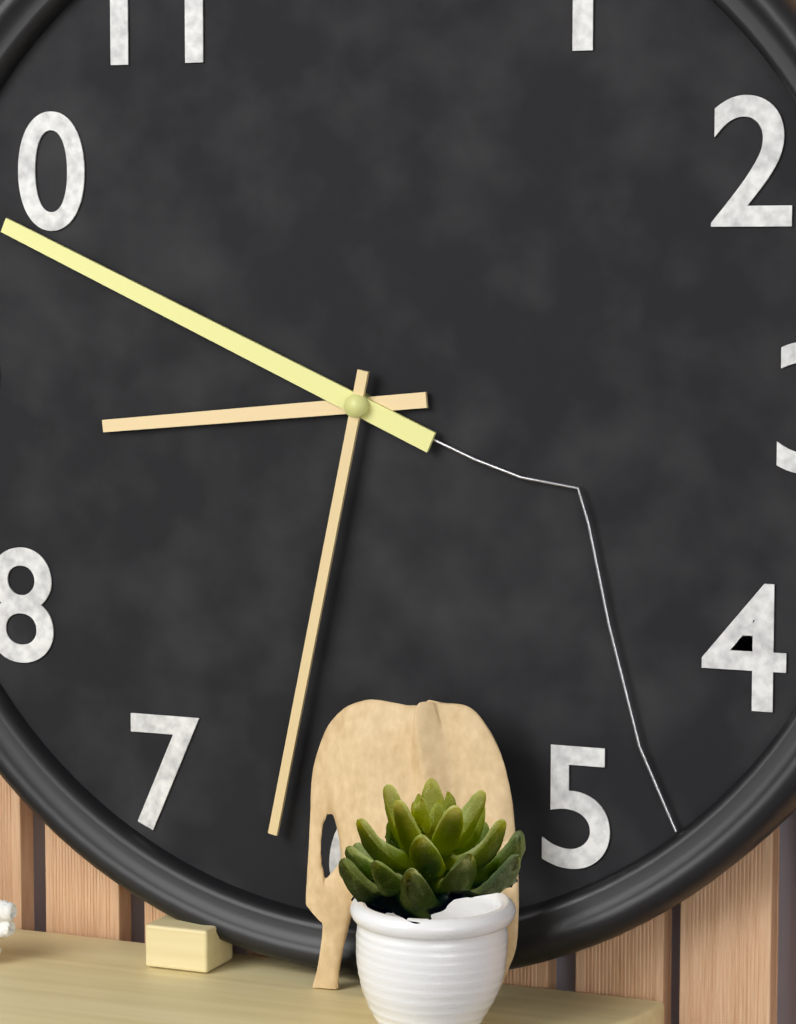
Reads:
8,49,32
